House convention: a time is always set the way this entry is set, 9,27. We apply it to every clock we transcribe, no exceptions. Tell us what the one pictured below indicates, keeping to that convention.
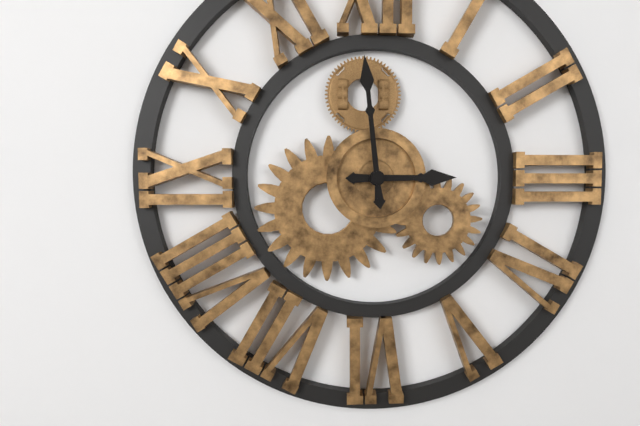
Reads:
2,59
